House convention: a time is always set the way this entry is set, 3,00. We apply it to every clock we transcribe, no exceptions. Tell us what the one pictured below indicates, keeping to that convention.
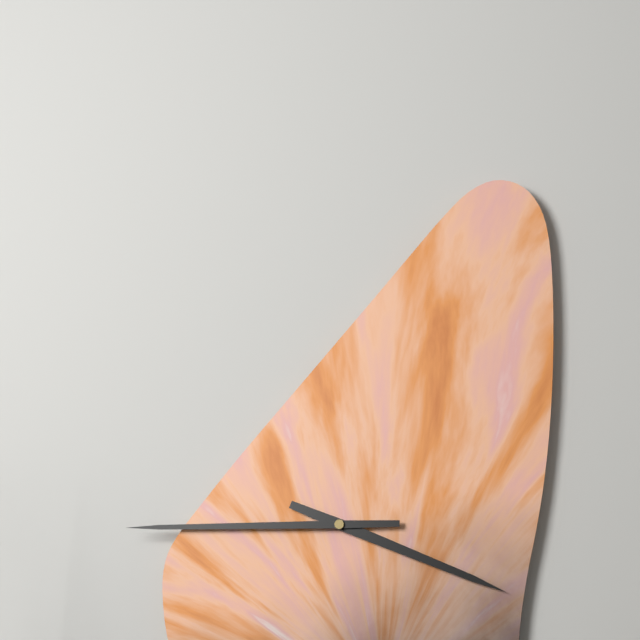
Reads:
3,45
